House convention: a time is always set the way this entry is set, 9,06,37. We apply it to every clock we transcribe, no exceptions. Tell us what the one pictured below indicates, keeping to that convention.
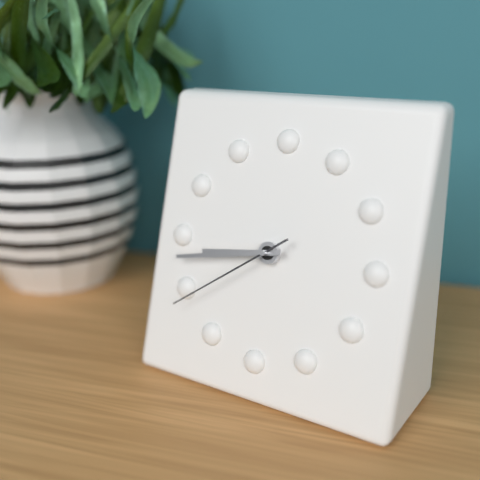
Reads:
8,43,39
